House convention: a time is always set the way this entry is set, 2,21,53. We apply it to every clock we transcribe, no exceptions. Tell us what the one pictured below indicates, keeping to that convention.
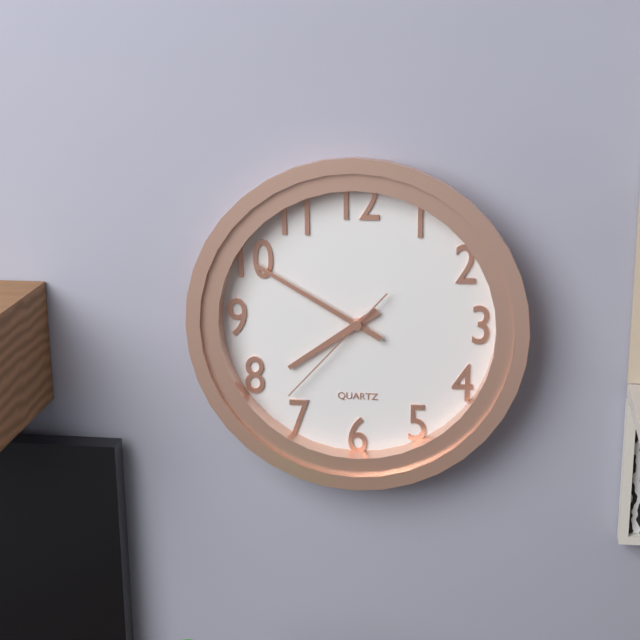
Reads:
7,50,37
